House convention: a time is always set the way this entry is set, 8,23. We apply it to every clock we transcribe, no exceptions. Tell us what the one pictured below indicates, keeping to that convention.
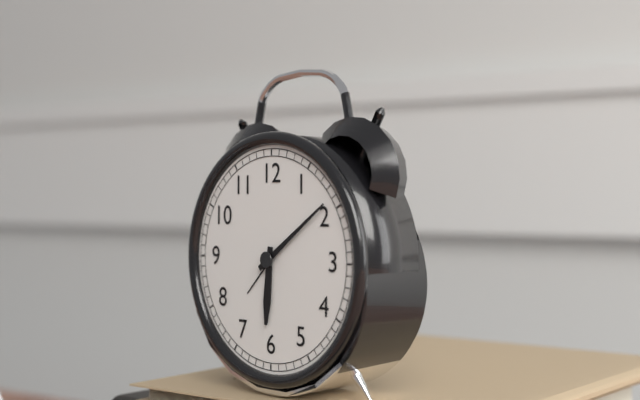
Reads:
6,09
